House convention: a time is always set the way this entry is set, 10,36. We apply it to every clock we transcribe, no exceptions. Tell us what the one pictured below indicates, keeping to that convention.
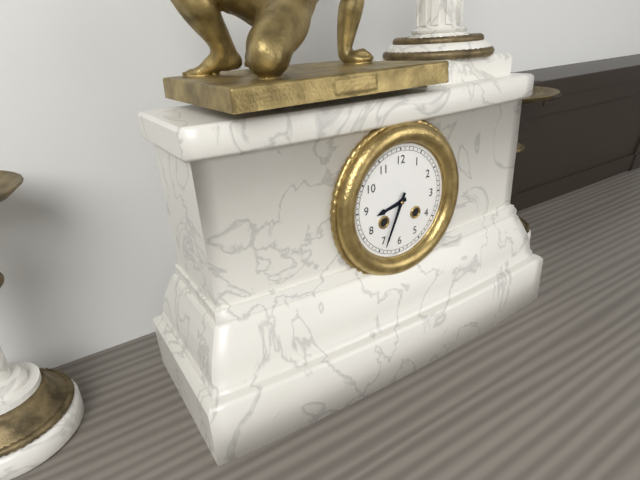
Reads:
8,34
